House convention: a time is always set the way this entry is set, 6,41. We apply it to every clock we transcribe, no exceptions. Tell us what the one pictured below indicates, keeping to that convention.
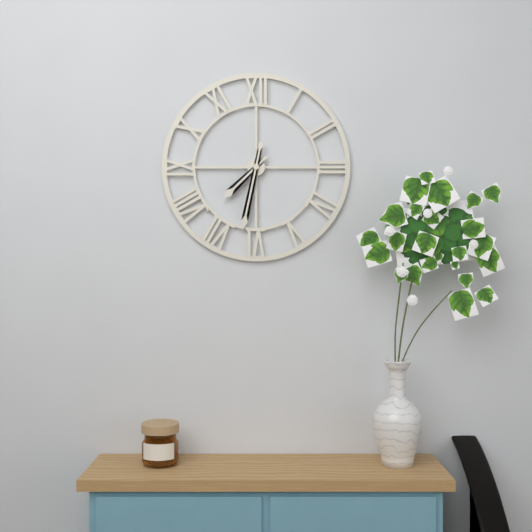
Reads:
7,32
